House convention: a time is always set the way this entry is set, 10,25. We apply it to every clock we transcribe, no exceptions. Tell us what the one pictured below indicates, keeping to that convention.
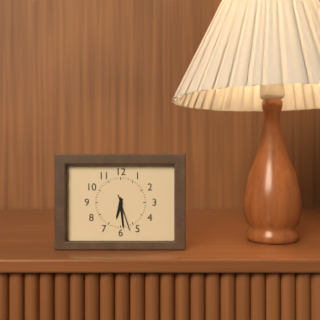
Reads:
6,29
